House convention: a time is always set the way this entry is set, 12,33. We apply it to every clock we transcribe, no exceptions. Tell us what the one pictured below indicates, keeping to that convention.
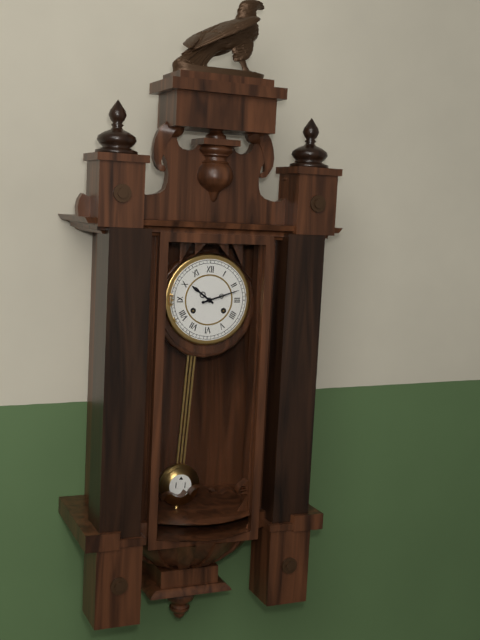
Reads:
10,12
